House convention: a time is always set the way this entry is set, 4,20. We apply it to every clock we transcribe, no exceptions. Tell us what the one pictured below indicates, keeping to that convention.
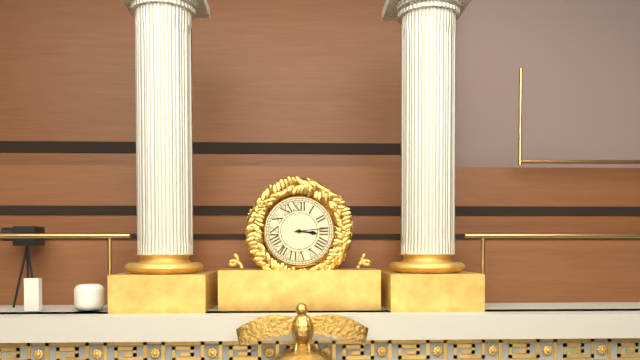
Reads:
3,14
